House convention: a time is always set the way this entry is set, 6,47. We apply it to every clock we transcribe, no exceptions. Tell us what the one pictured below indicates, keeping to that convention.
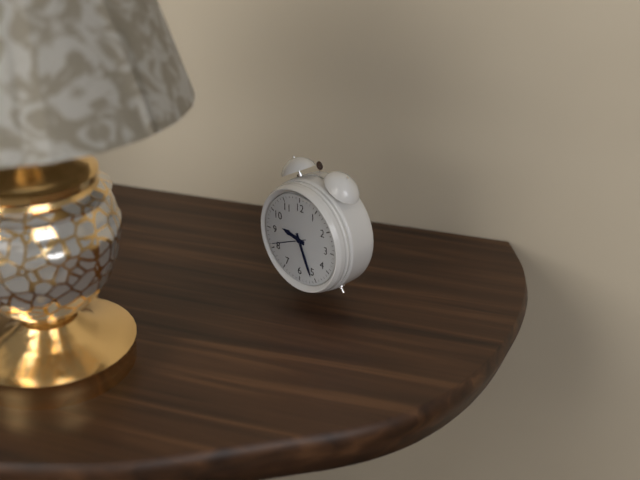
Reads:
9,26
